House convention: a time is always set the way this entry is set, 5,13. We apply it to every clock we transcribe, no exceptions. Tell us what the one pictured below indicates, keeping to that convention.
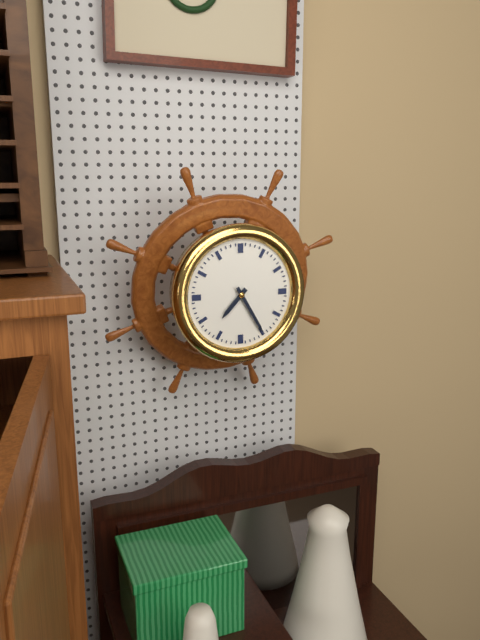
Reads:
7,25
